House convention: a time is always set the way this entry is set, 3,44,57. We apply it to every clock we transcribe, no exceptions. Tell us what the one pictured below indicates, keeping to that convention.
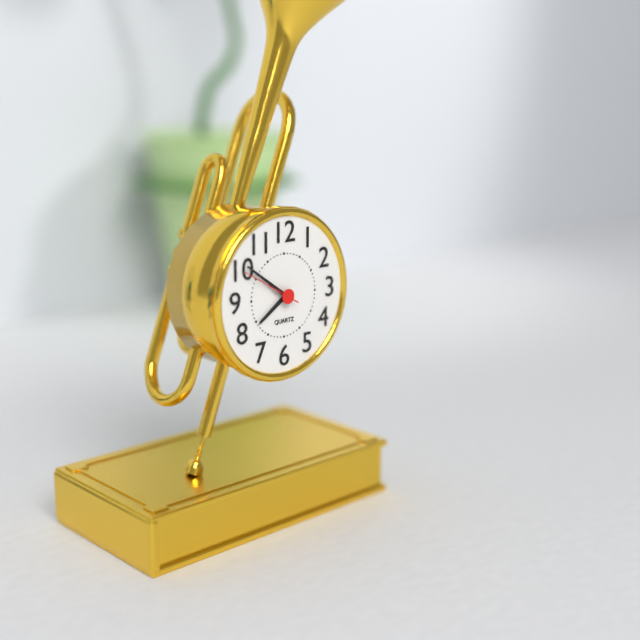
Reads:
7,51,50
